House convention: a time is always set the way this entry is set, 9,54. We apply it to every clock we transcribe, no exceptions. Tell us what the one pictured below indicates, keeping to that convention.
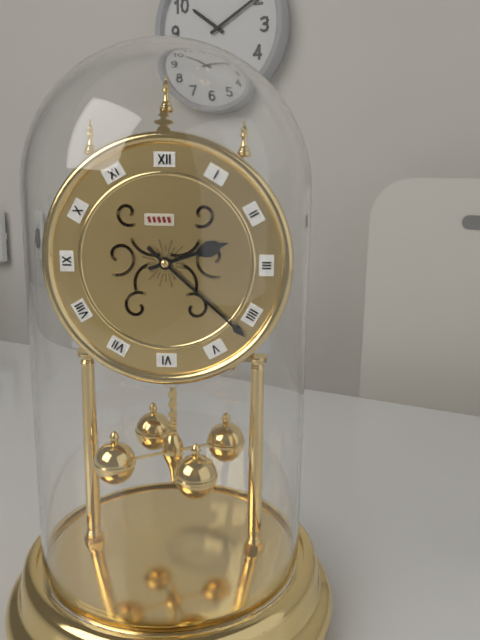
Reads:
2,22
